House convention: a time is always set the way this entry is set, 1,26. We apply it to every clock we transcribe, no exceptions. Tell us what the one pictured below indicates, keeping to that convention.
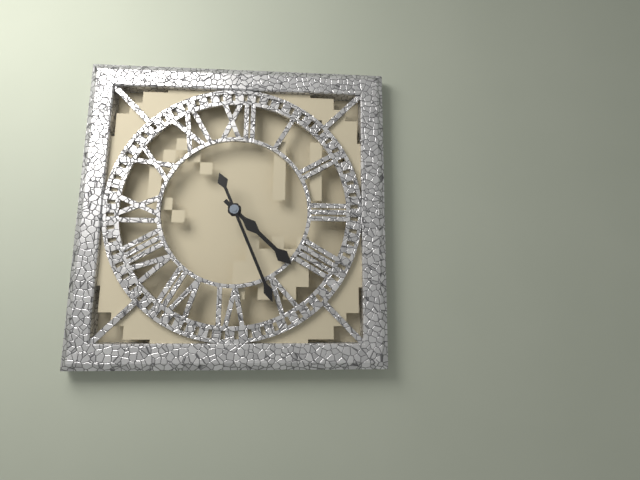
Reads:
4,26
